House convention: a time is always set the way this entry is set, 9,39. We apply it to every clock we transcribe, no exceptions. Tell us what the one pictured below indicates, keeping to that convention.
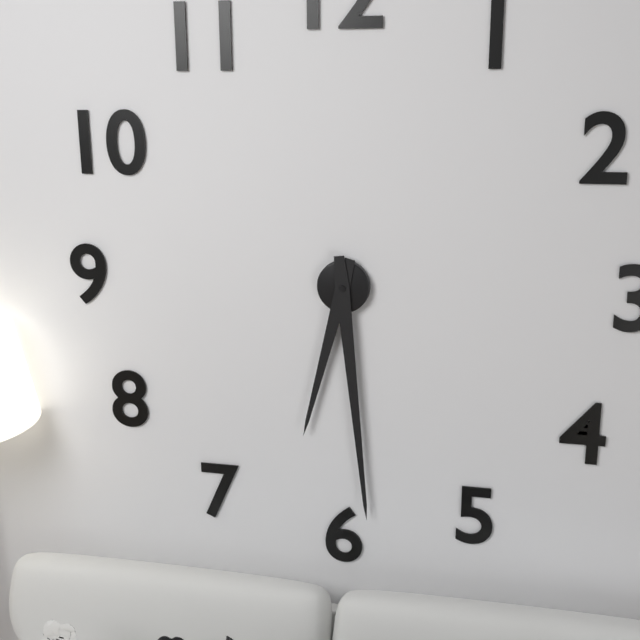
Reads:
6,29
